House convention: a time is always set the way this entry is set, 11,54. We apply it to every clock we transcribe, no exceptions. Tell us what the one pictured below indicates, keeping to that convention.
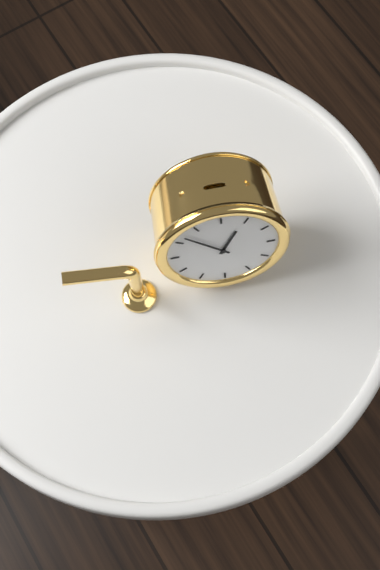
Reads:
12,52
